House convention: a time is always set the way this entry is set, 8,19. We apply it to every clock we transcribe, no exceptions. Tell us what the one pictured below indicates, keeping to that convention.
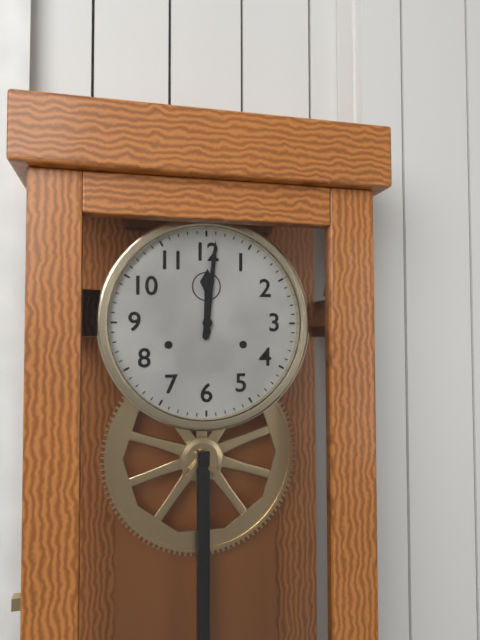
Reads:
12,01
